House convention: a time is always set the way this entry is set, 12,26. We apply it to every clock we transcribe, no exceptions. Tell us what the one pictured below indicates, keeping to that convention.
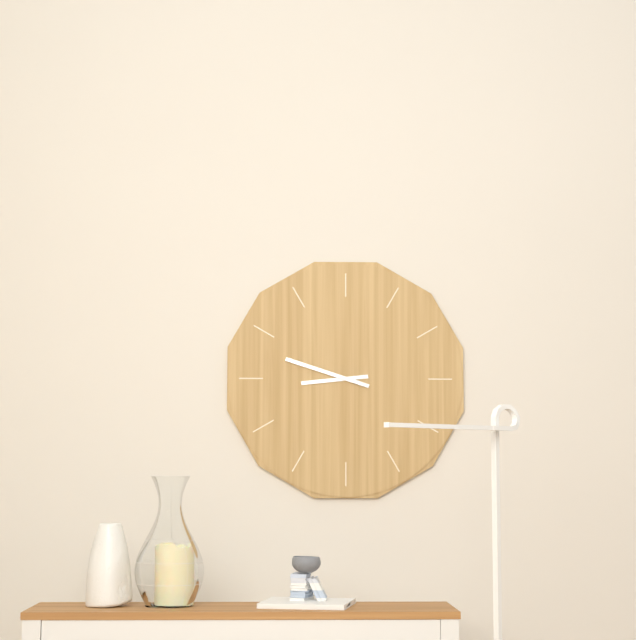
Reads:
8,48
